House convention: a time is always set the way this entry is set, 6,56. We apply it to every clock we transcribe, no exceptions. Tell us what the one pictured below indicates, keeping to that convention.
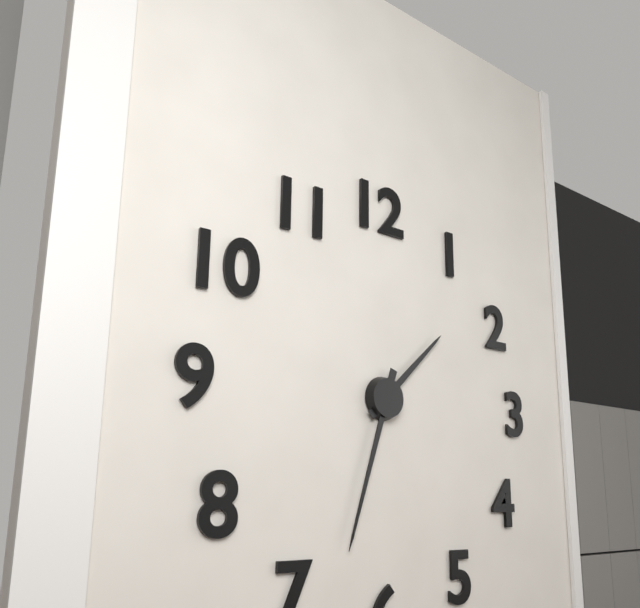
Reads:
1,33
